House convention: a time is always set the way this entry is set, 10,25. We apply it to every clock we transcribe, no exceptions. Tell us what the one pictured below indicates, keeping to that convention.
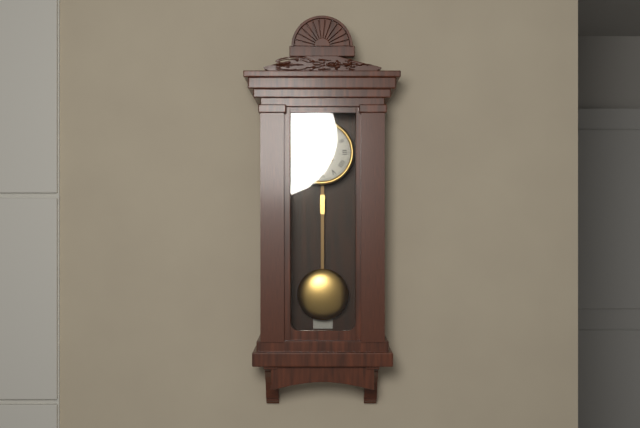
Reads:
4,55
